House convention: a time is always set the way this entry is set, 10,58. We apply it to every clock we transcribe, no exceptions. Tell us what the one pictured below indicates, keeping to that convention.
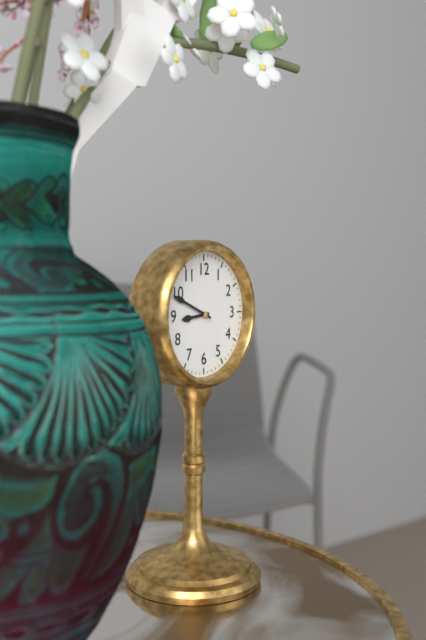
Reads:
8,49
